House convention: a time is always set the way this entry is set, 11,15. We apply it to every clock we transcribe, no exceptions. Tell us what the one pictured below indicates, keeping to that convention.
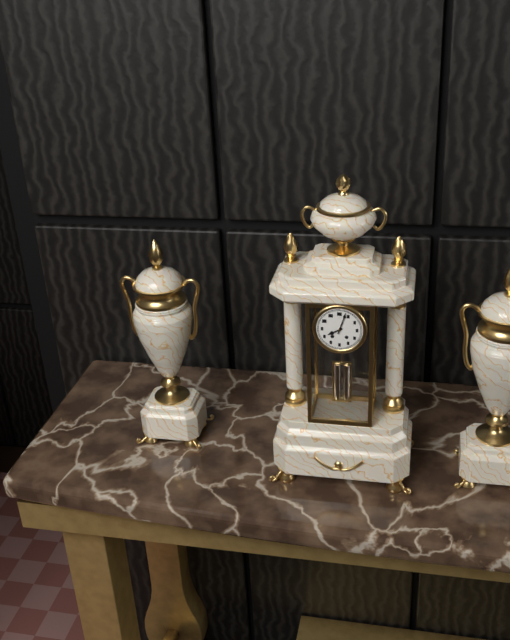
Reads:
8,03
